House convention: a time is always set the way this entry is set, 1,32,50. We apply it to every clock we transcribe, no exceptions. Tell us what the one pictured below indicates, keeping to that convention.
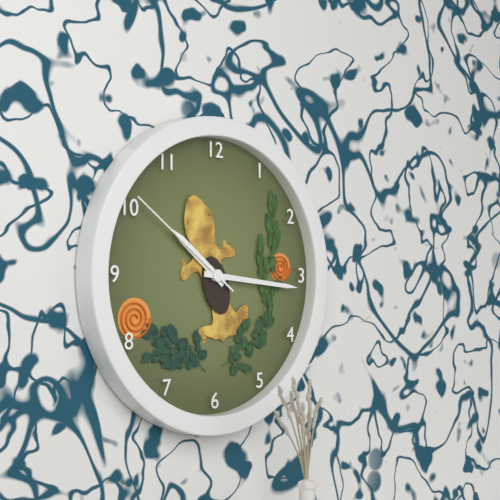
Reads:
10,16,51
